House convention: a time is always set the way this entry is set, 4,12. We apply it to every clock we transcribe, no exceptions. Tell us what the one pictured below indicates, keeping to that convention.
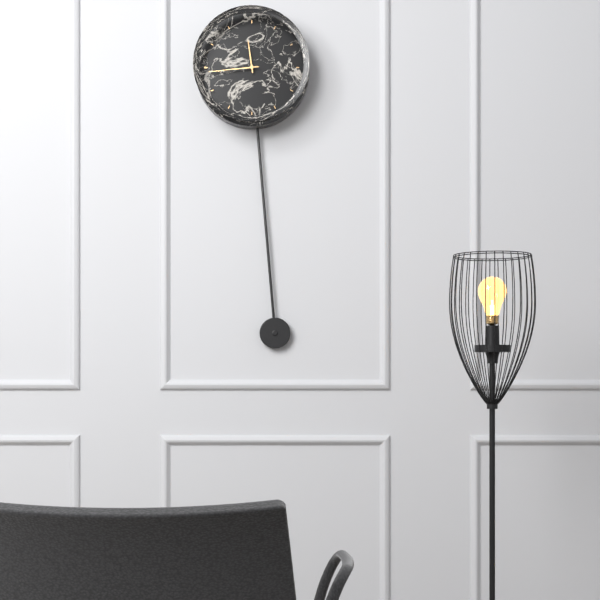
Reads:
11,44
